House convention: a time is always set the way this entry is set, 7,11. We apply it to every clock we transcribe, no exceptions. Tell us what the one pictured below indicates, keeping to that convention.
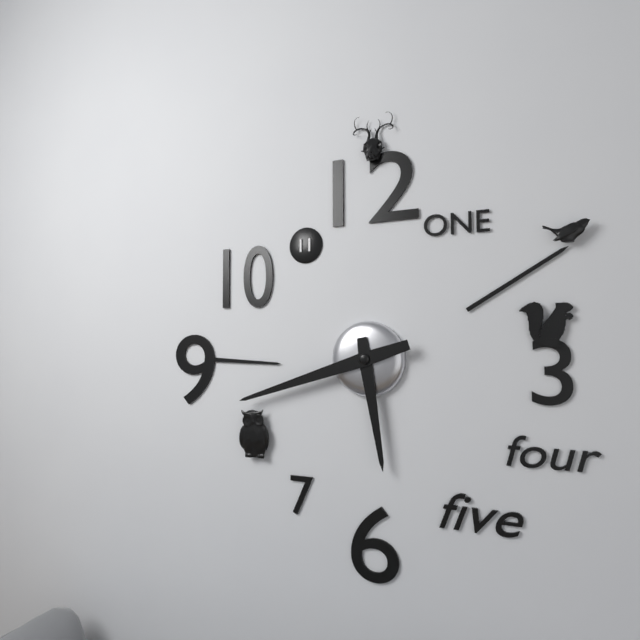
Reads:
5,42
